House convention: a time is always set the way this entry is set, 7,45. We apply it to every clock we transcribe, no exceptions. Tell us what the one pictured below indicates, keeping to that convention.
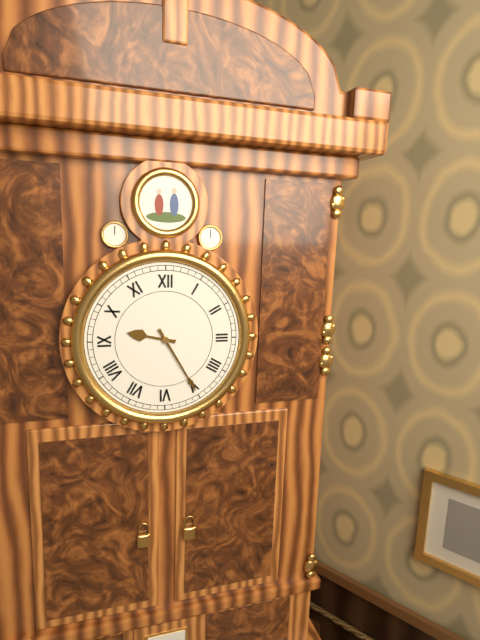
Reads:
9,25
